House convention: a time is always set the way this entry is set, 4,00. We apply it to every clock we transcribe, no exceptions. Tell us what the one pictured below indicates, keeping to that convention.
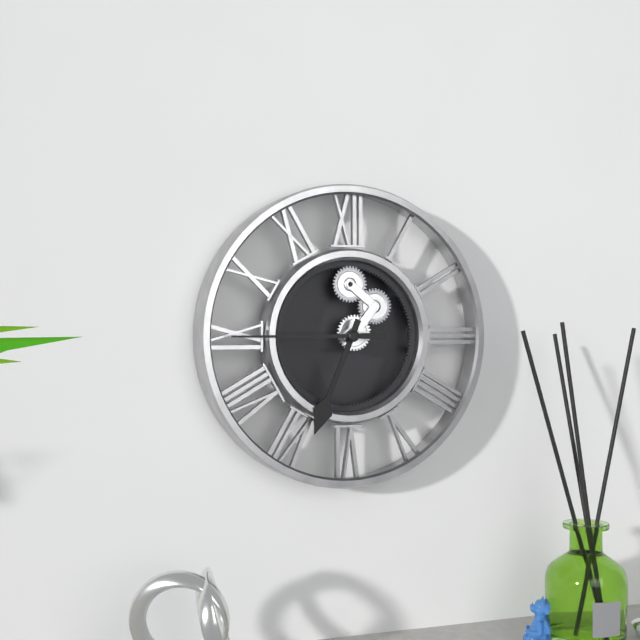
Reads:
6,45
